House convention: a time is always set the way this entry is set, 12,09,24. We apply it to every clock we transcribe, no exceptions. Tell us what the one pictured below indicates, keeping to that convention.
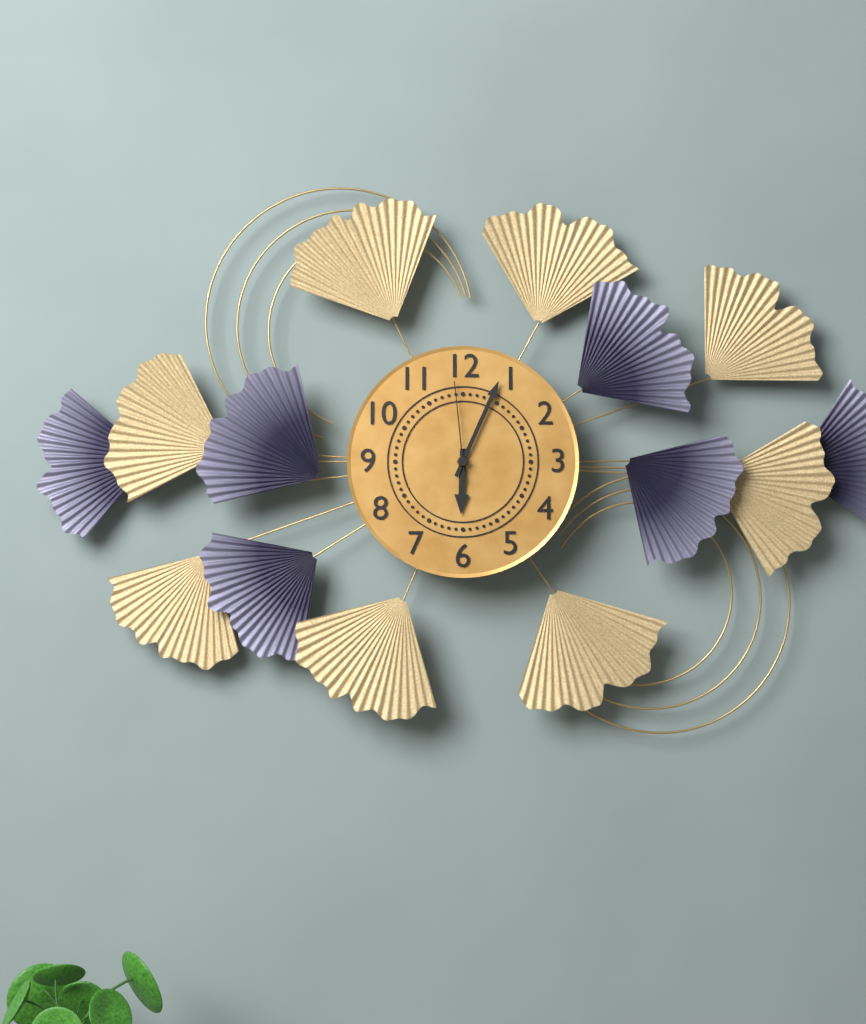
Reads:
6,04,59
